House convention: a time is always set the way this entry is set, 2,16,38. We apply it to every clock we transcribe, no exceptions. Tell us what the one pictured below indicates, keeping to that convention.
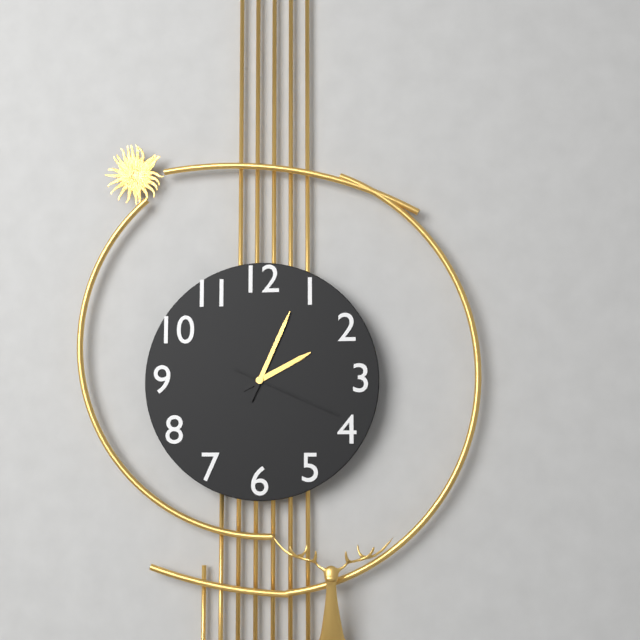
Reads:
2,04,19
